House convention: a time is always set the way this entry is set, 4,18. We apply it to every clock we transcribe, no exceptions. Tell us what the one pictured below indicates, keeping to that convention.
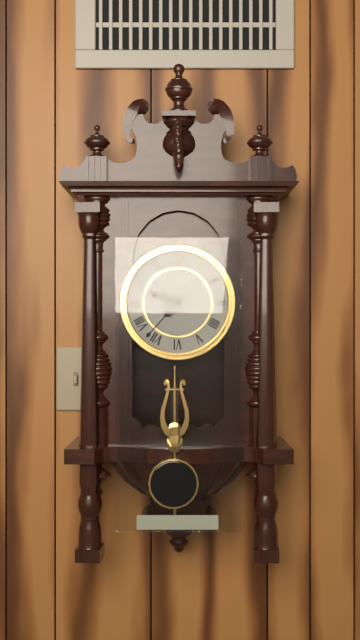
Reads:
9,37
